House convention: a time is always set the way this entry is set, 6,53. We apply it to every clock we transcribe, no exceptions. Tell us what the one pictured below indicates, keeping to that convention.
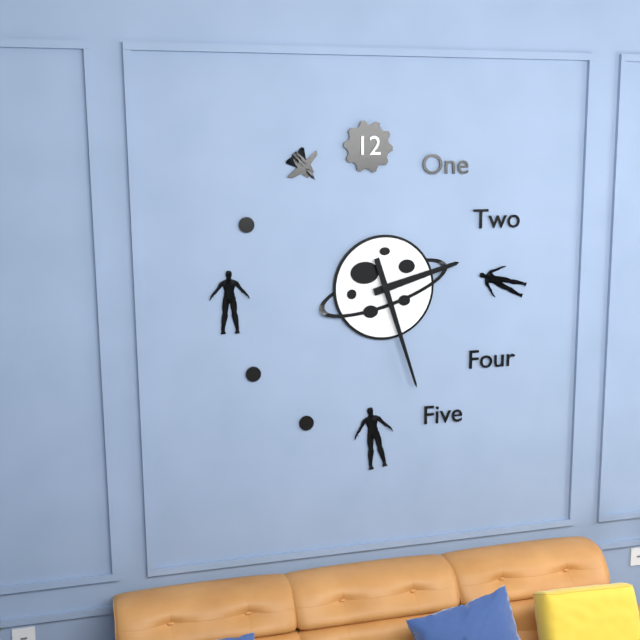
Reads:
2,27
